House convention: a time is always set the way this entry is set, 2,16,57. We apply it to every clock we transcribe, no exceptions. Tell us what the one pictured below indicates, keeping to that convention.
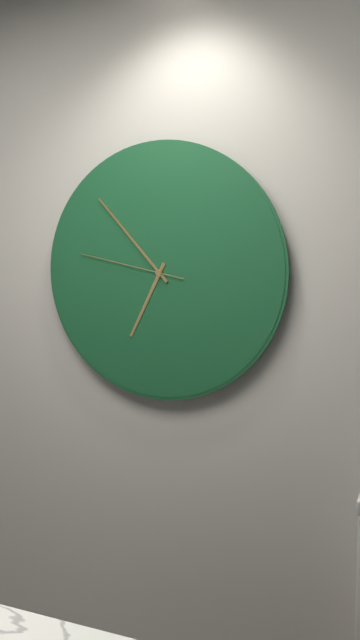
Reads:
6,53,47
